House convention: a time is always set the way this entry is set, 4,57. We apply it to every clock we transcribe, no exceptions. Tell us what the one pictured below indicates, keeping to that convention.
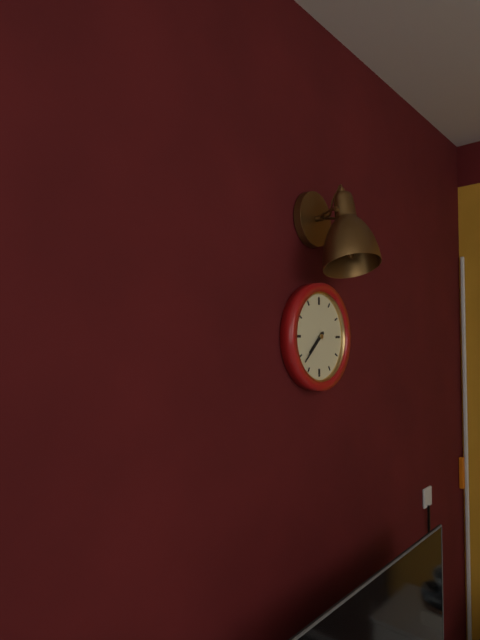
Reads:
7,38
